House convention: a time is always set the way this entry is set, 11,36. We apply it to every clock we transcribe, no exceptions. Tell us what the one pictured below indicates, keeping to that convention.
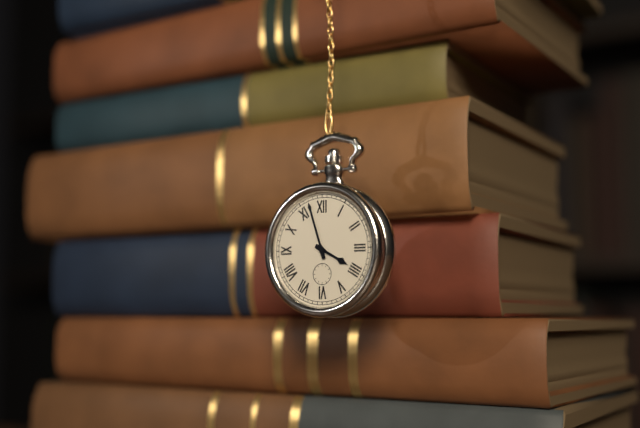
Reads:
3,57
